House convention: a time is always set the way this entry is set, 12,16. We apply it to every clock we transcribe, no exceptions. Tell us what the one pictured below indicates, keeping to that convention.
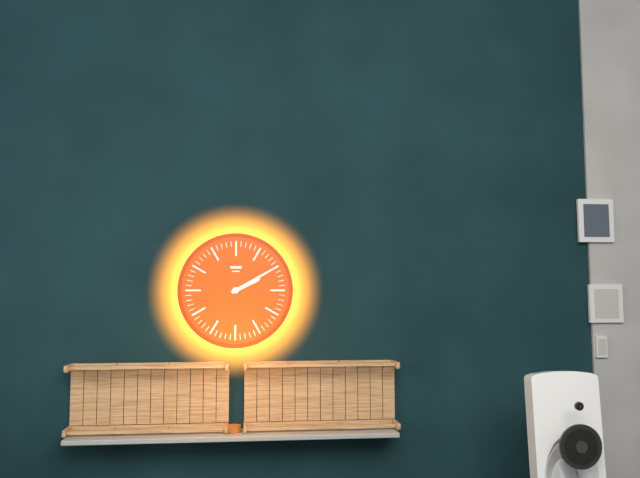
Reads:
2,10
